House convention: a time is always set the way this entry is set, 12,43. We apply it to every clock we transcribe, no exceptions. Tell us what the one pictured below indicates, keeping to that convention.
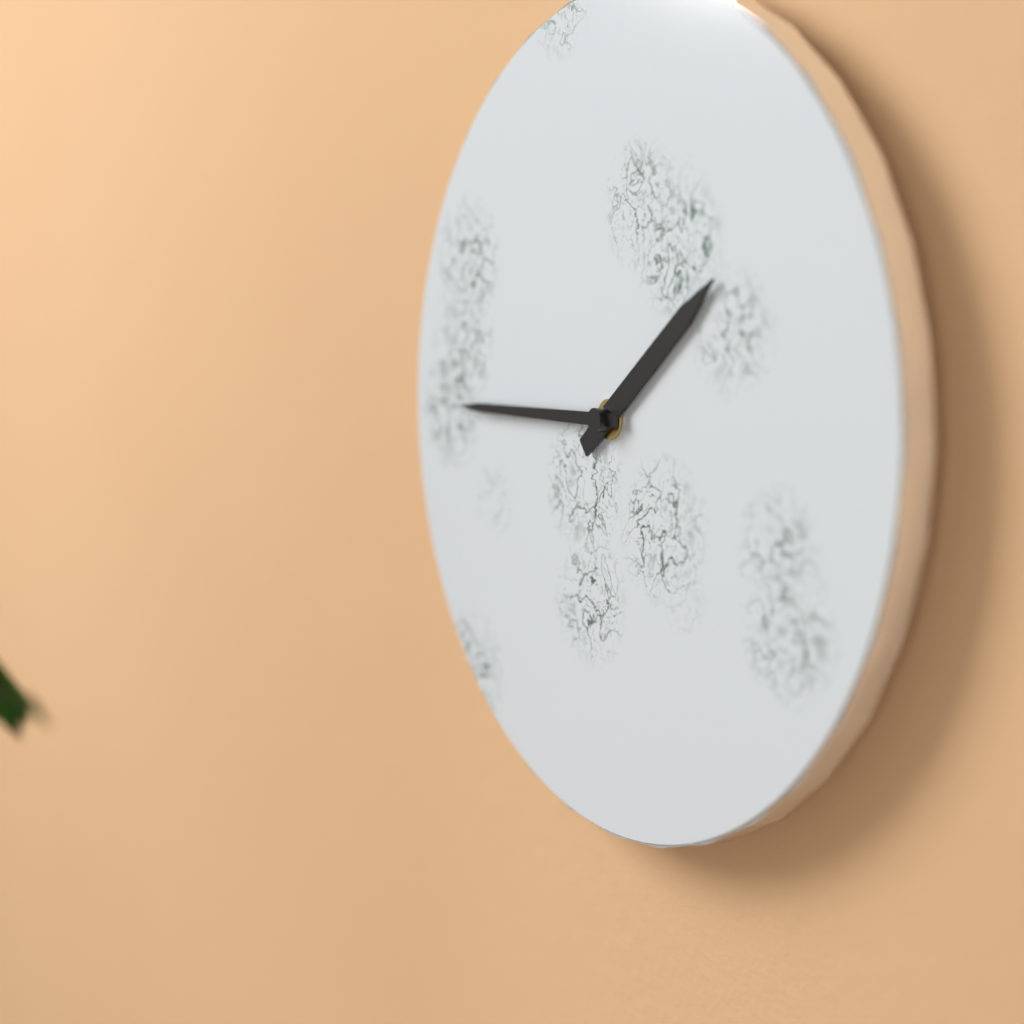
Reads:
1,45
